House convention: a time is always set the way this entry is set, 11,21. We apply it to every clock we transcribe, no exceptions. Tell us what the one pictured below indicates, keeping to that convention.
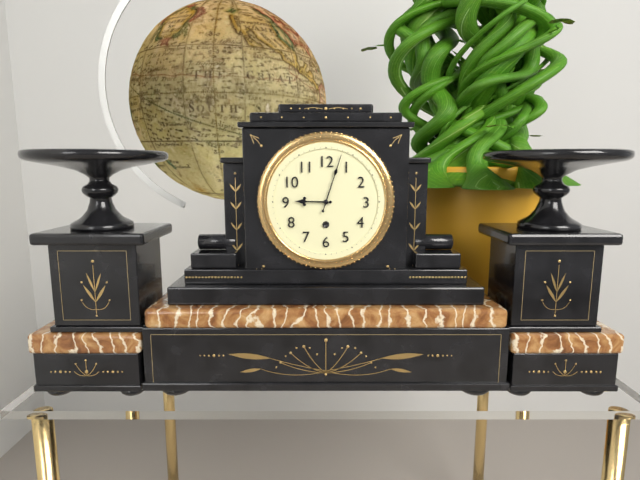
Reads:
9,03
